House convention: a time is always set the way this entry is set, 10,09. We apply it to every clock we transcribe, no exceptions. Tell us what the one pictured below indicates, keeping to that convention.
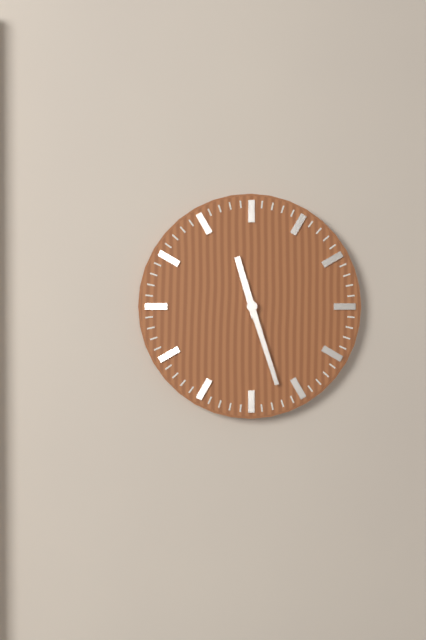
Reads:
11,27
